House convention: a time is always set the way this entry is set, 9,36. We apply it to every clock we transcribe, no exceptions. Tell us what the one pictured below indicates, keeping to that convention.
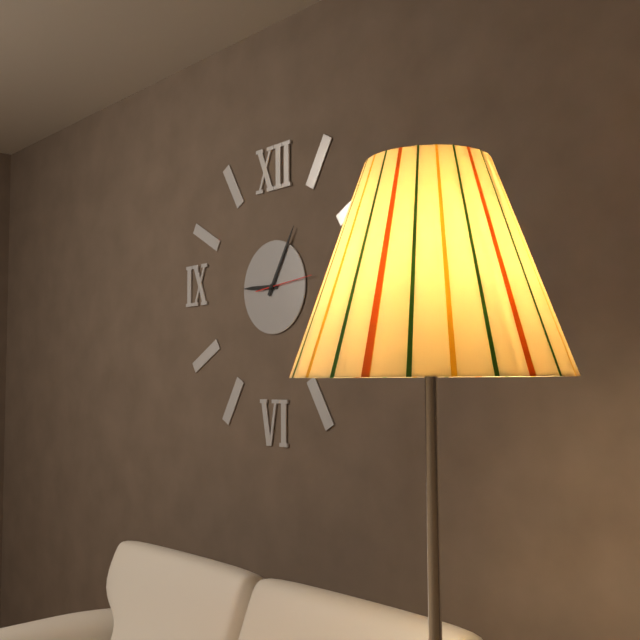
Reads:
9,05
